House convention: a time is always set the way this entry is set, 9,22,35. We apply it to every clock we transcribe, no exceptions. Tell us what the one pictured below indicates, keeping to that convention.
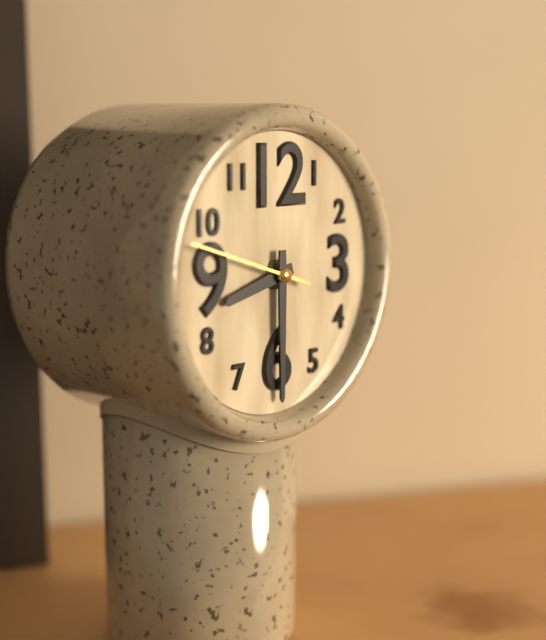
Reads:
8,30,48
